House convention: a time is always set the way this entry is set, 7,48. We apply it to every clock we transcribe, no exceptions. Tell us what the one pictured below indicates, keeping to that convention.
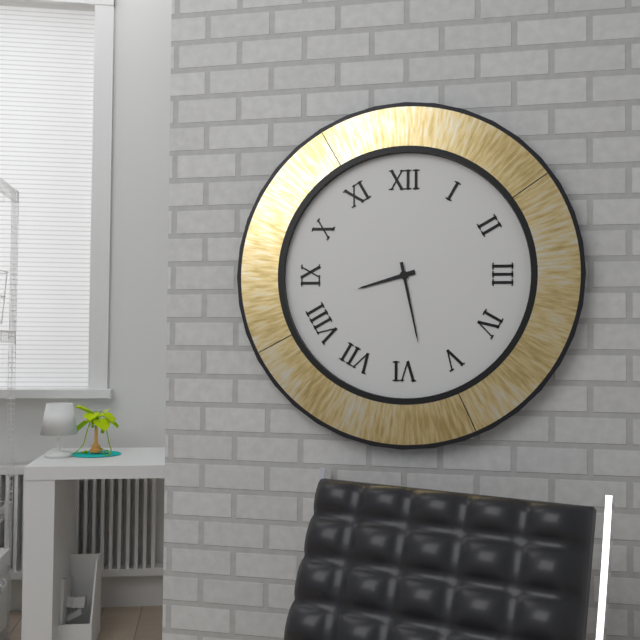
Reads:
8,28
